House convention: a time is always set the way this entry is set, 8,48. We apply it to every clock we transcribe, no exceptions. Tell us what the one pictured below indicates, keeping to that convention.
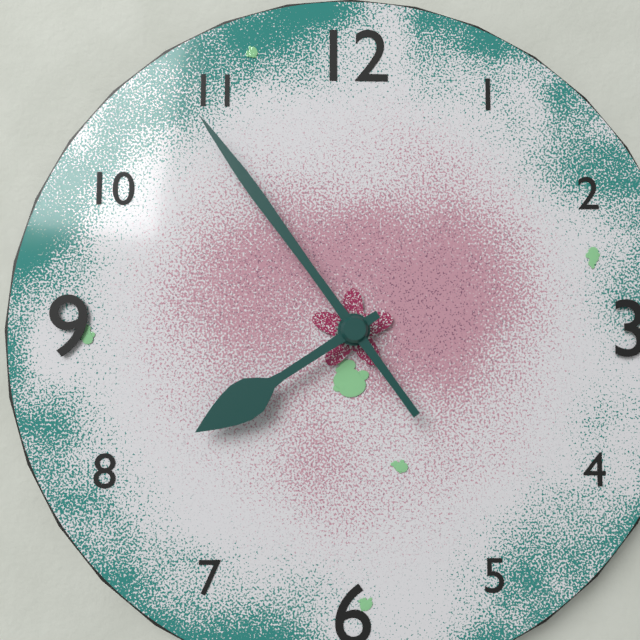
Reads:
7,54
